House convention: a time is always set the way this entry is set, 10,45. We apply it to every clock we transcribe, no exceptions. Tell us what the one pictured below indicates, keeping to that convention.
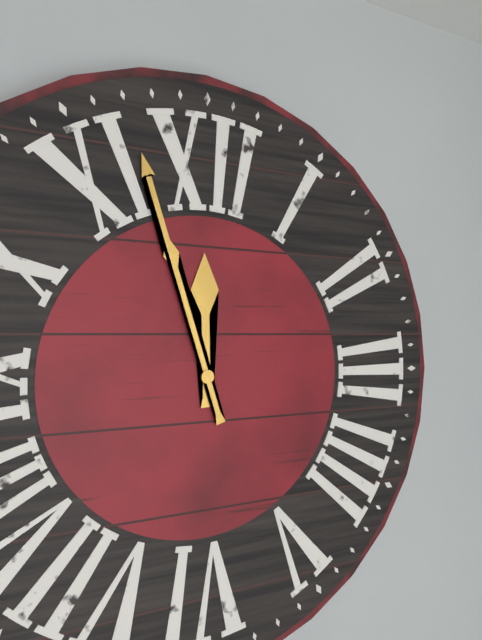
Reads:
11,57
